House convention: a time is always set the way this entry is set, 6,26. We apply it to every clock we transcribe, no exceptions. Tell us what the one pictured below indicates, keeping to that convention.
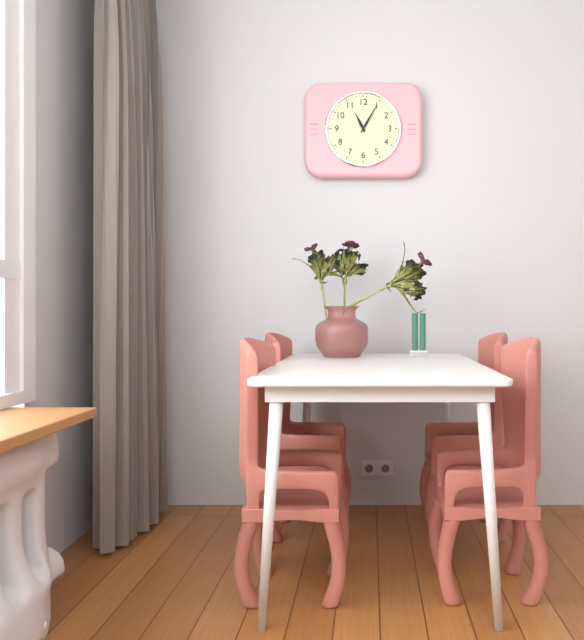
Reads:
11,05
